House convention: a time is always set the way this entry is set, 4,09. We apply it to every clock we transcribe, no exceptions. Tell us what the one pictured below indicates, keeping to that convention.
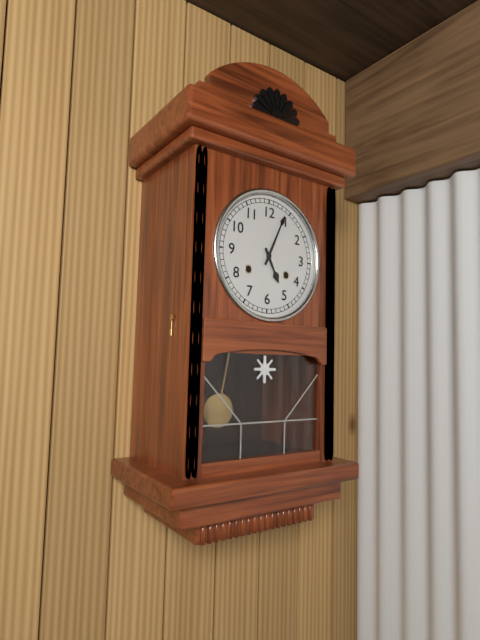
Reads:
5,04
